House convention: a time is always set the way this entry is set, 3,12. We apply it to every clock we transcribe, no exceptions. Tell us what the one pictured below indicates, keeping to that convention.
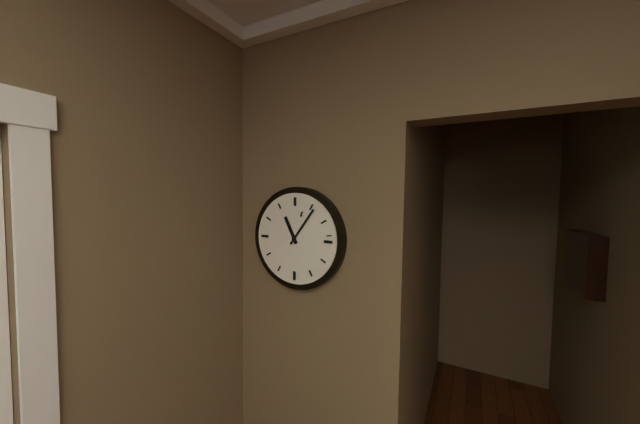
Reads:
11,06
